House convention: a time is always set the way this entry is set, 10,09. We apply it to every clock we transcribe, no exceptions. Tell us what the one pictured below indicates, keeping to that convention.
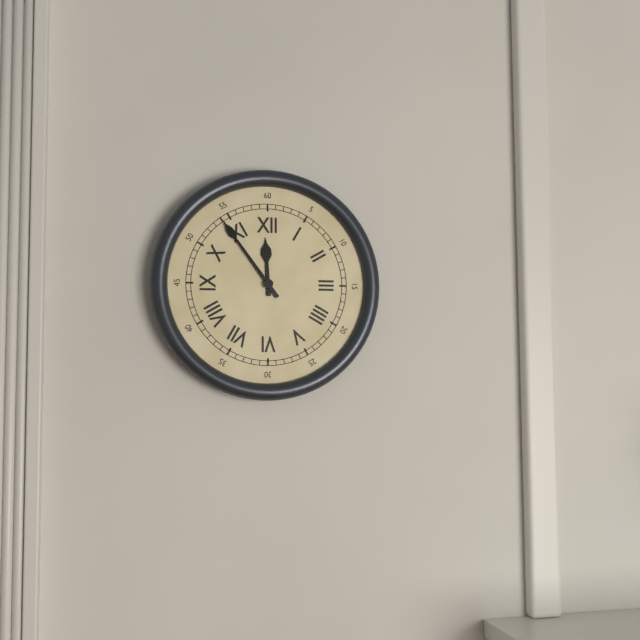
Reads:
11,54
